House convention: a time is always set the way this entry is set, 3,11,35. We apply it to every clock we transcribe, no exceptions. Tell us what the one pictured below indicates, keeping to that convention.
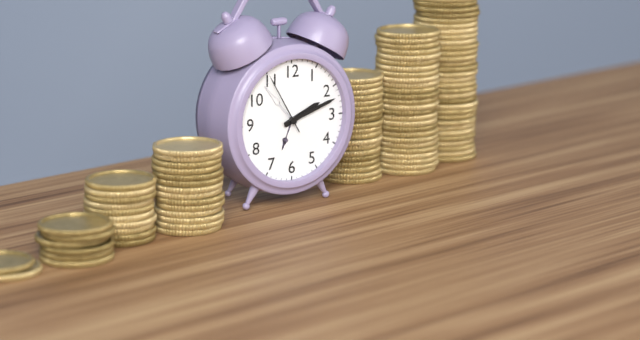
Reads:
2,12,55
